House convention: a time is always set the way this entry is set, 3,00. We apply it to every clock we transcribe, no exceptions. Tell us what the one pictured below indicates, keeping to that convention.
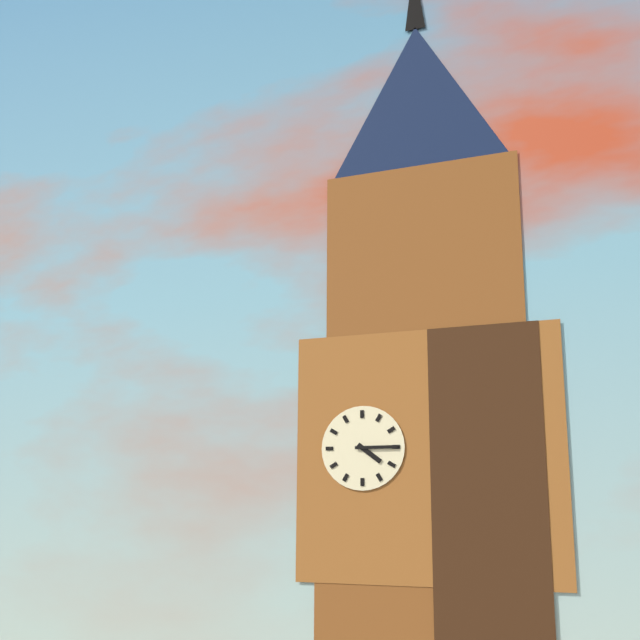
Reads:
4,15
